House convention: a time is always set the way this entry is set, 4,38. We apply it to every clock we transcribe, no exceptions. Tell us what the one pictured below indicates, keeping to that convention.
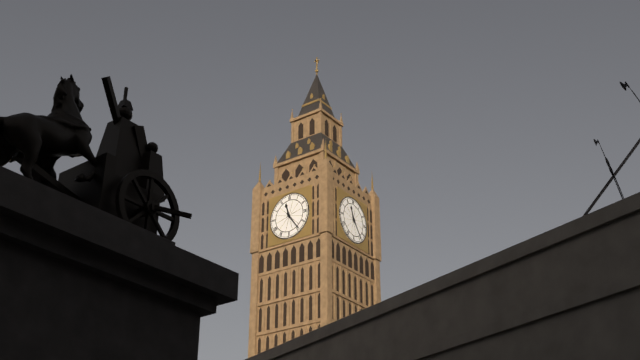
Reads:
11,24
